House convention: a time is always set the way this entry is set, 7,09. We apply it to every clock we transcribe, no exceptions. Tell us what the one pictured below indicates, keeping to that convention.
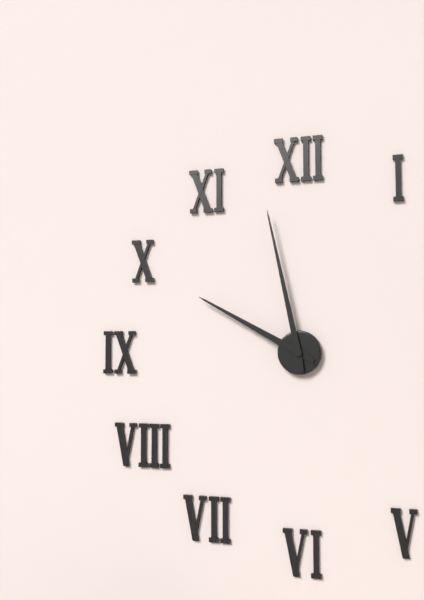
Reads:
9,58
